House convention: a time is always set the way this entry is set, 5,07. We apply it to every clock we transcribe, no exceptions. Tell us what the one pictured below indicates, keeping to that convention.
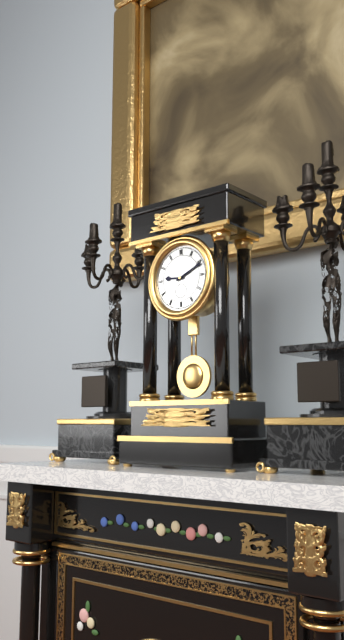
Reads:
9,11
